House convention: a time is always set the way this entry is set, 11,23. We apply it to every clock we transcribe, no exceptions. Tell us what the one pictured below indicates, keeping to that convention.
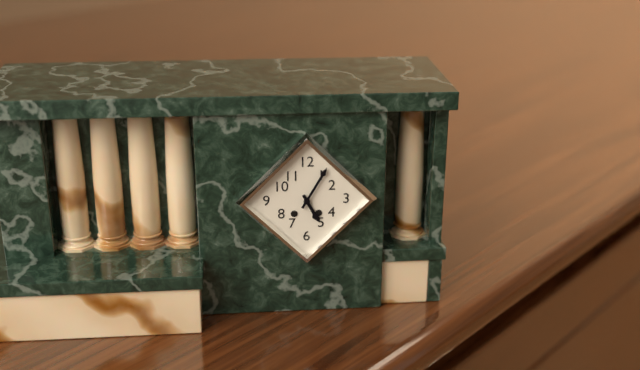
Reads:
5,05
